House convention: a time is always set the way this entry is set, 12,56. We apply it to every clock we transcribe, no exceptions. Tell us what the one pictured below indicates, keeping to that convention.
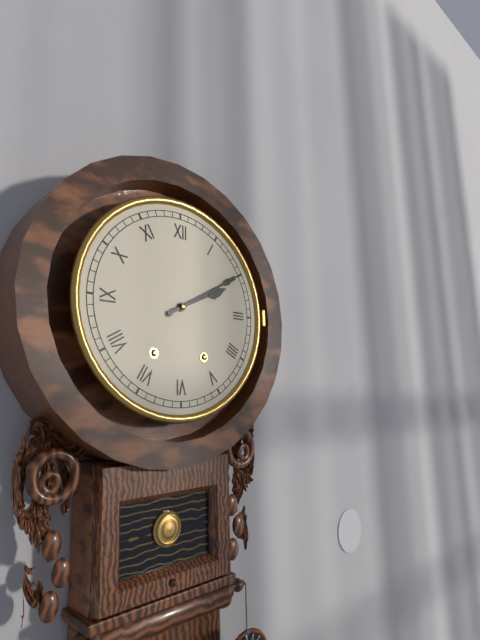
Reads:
2,10
